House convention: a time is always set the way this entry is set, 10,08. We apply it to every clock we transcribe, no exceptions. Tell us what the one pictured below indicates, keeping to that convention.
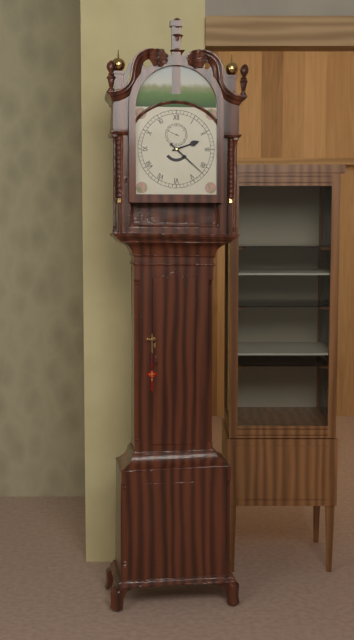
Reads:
2,22
